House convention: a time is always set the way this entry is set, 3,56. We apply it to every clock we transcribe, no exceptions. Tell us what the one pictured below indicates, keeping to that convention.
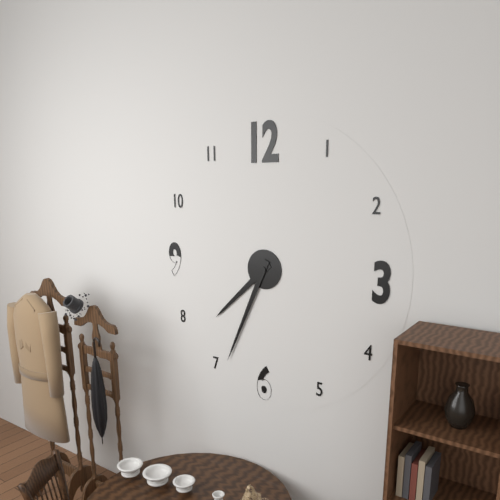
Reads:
7,34
